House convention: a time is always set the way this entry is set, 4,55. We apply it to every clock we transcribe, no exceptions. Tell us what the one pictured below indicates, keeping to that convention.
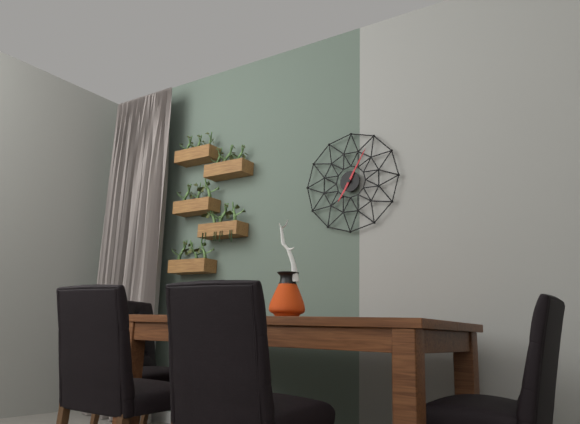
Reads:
7,05
